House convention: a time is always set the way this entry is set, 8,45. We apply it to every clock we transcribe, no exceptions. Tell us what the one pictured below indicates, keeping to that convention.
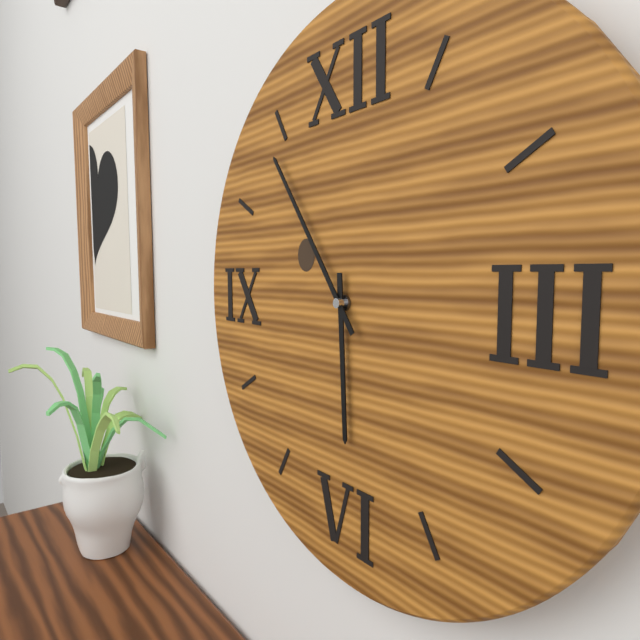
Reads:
5,54
